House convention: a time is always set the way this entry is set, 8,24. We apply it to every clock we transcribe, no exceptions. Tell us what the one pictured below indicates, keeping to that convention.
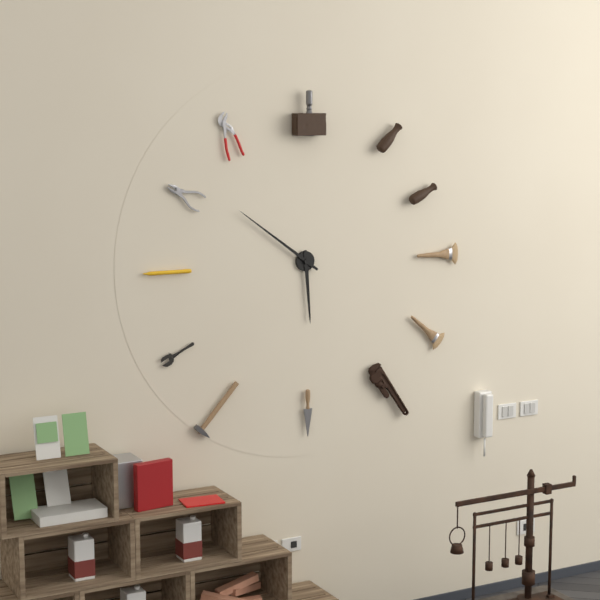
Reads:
5,51
